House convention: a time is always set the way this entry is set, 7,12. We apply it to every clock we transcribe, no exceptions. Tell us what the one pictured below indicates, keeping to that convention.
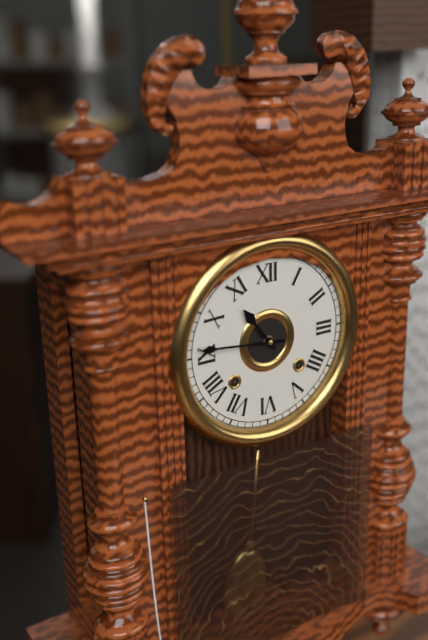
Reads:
10,46
